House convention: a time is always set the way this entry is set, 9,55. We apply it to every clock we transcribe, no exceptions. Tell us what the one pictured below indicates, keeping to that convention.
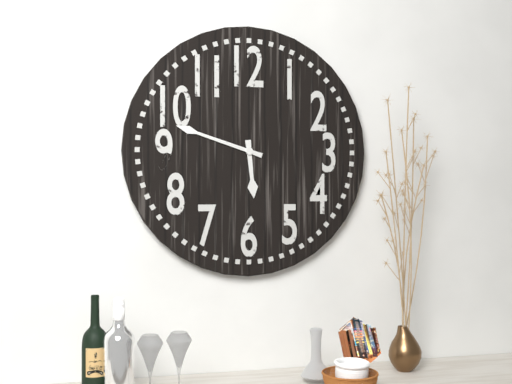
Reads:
5,48
